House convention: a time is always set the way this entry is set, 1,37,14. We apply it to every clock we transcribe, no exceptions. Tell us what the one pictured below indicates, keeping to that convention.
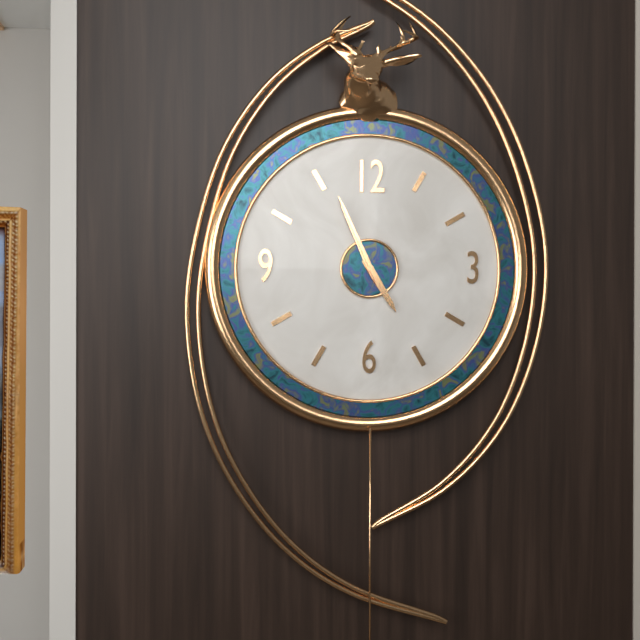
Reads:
4,56,56
